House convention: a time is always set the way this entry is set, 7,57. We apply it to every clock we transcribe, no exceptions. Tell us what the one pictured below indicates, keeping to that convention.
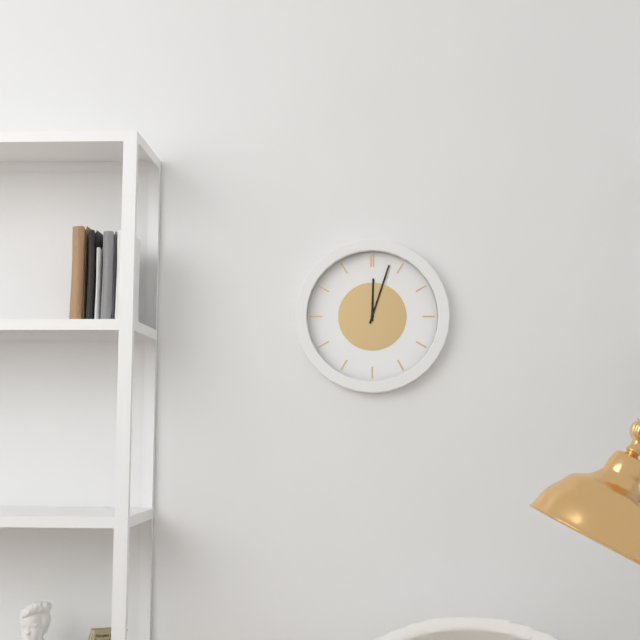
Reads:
12,03
